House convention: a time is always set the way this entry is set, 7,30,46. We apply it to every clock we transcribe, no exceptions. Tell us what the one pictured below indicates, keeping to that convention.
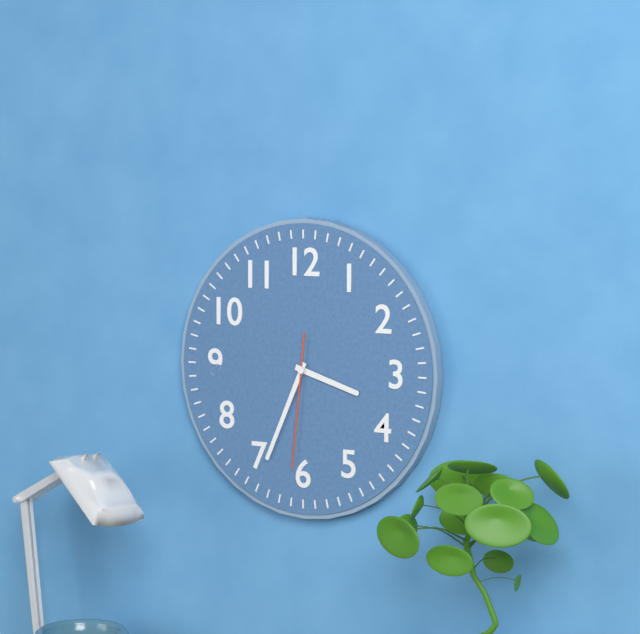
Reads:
3,34,31
